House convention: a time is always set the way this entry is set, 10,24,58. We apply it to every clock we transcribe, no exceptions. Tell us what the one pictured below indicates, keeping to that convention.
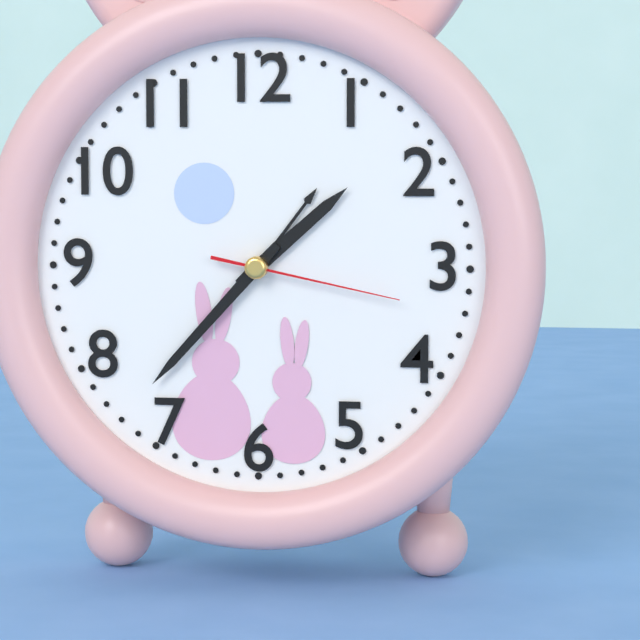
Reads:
1,37,17
